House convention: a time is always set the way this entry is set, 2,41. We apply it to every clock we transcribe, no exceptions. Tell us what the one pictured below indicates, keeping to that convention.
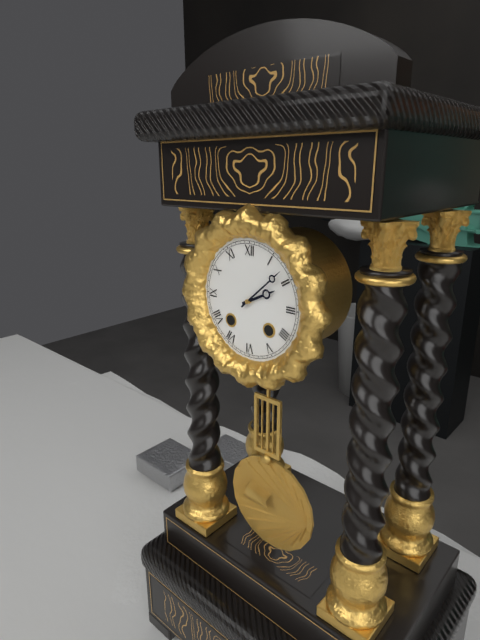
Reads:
2,08
